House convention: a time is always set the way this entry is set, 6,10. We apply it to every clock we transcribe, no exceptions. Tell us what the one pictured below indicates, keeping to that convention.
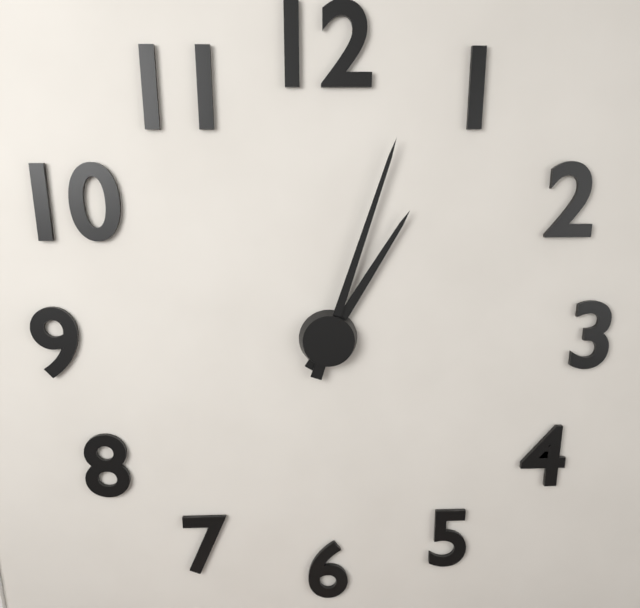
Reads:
1,03
